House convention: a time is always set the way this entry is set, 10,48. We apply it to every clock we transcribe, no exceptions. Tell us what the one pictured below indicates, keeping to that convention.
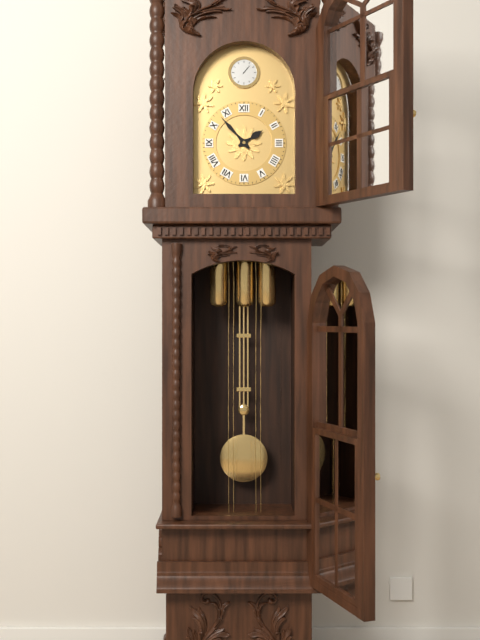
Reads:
1,53
